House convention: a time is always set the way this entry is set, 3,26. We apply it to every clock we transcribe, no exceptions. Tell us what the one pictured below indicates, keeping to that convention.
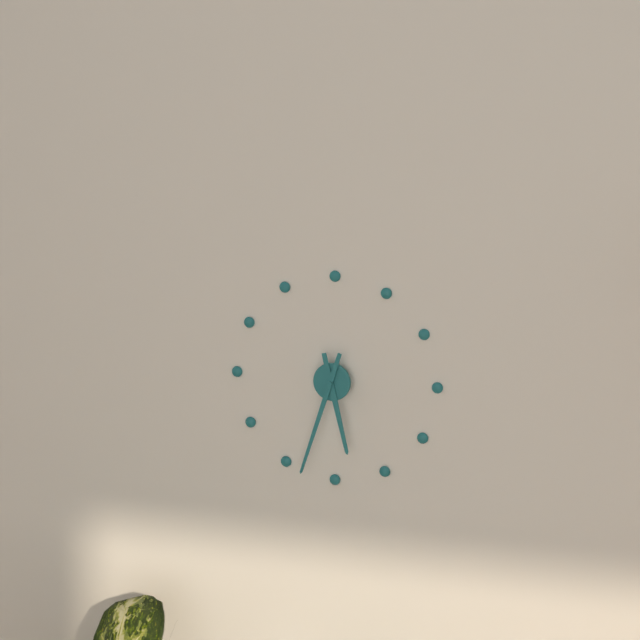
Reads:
5,33
